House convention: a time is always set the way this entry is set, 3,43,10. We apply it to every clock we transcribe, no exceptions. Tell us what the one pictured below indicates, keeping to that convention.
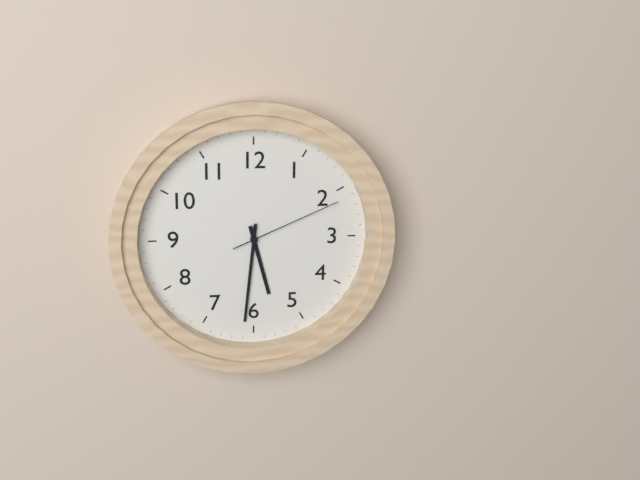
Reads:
5,31,11
